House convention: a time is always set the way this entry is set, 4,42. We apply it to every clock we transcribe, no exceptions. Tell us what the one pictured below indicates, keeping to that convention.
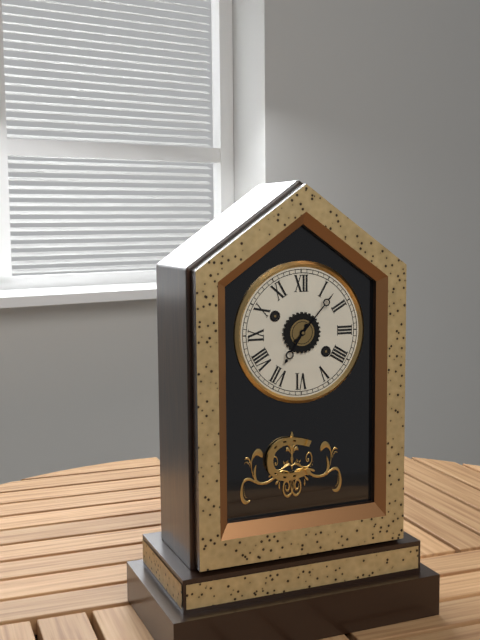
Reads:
7,07
